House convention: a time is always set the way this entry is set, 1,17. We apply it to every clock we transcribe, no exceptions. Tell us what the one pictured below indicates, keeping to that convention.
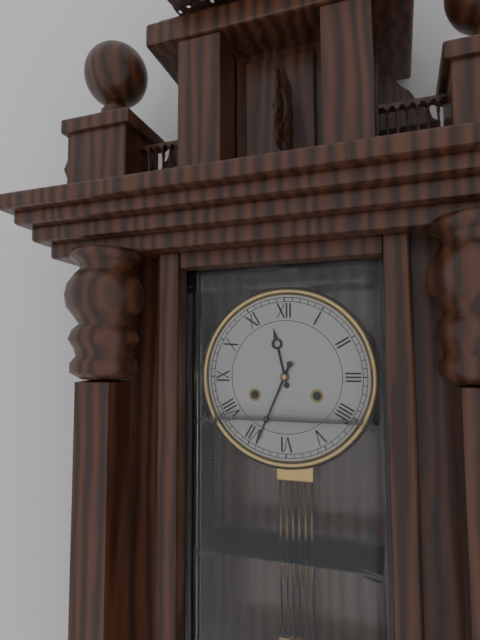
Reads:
11,34
